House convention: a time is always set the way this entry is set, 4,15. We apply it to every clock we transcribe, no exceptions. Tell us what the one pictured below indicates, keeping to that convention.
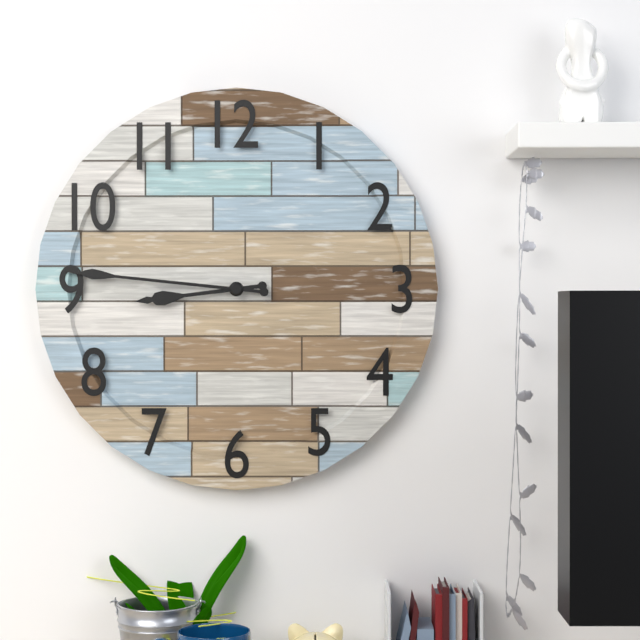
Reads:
8,46
